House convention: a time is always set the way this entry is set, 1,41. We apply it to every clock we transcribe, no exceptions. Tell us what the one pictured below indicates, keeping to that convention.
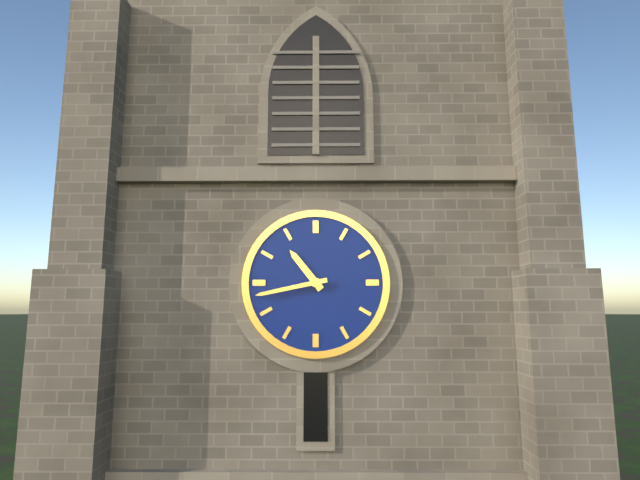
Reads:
10,43
